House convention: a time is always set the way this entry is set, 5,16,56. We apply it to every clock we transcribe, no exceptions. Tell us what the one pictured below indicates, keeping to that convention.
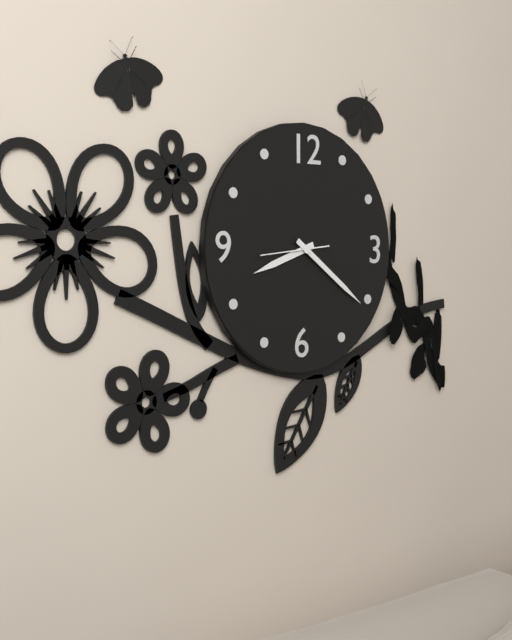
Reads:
8,21,44
